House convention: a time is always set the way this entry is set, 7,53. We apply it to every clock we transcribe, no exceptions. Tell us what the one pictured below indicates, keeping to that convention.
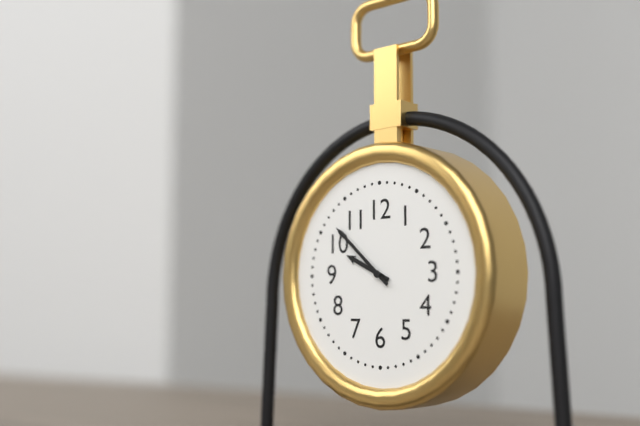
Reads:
9,52
